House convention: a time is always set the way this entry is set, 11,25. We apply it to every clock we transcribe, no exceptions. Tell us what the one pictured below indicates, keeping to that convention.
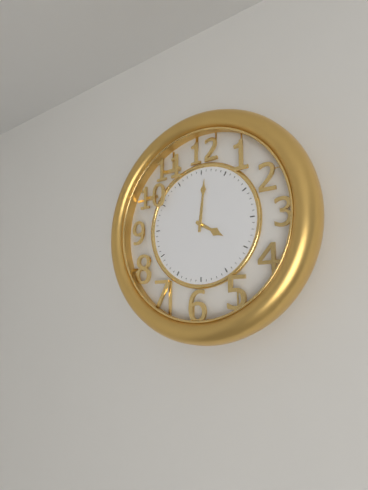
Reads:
4,01
